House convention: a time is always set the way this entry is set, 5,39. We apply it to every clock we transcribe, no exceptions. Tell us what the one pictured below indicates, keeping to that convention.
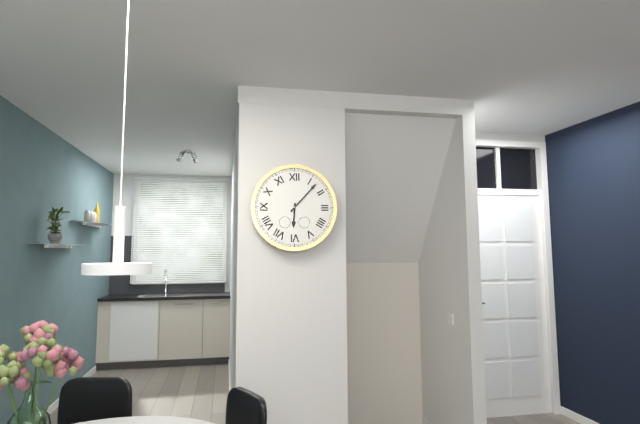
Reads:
6,07
